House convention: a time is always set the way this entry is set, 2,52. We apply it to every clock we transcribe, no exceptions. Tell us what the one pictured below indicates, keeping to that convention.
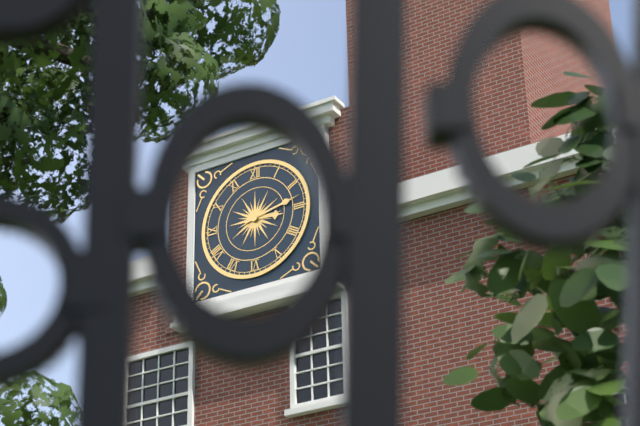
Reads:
3,13
